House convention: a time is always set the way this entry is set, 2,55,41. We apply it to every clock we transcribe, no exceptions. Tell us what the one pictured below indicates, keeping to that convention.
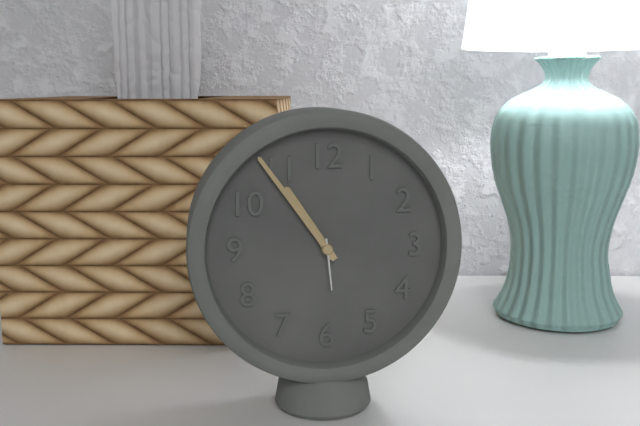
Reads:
10,54,29
